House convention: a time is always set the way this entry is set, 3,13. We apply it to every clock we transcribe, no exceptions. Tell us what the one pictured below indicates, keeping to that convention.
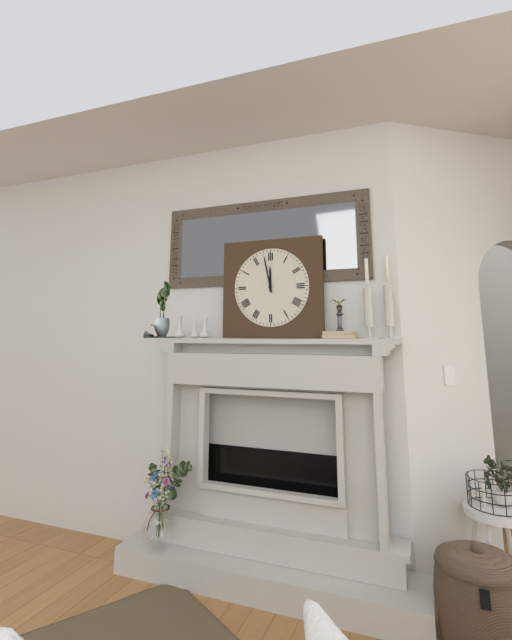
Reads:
11,58
